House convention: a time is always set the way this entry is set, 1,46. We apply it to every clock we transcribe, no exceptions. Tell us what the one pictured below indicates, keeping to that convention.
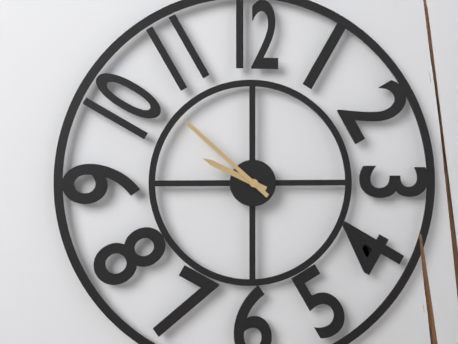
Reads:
9,52
